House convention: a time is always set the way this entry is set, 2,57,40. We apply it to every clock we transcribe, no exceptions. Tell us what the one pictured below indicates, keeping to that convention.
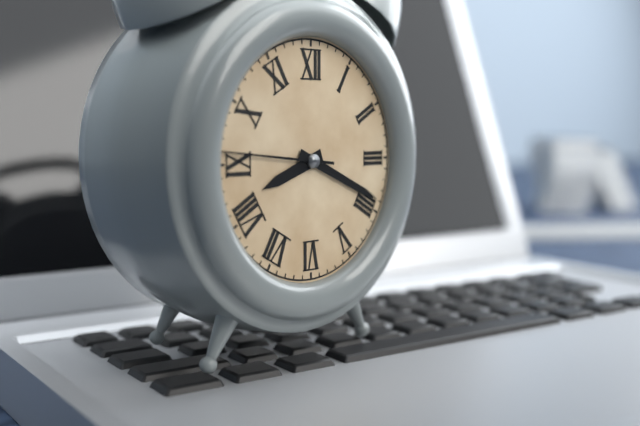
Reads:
8,19,46
